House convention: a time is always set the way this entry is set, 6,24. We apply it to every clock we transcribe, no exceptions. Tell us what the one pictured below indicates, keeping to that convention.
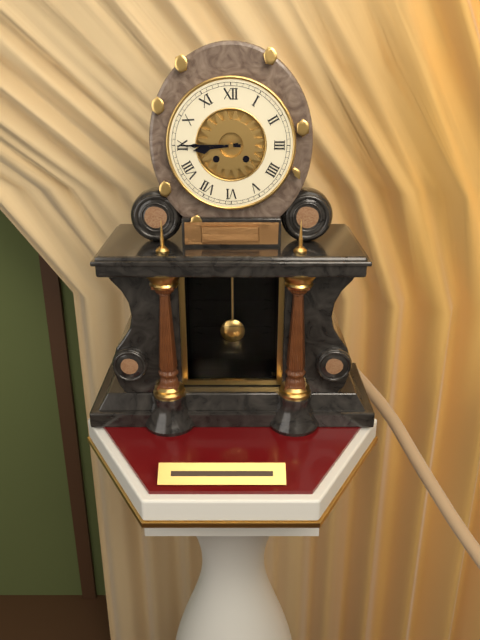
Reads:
8,45
